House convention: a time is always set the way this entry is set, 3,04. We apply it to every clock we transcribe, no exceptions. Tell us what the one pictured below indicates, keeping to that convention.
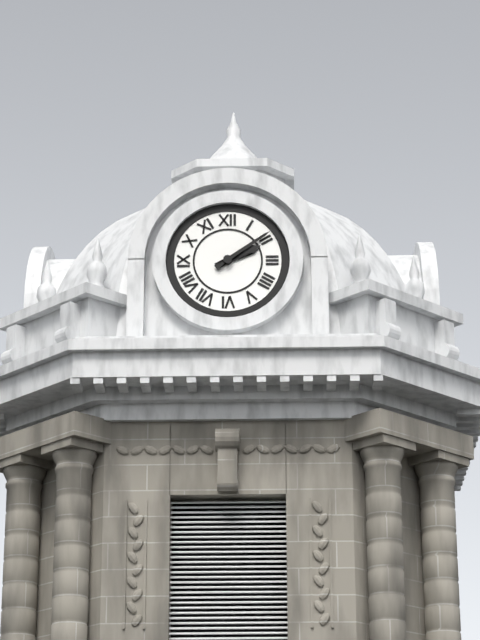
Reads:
2,09
